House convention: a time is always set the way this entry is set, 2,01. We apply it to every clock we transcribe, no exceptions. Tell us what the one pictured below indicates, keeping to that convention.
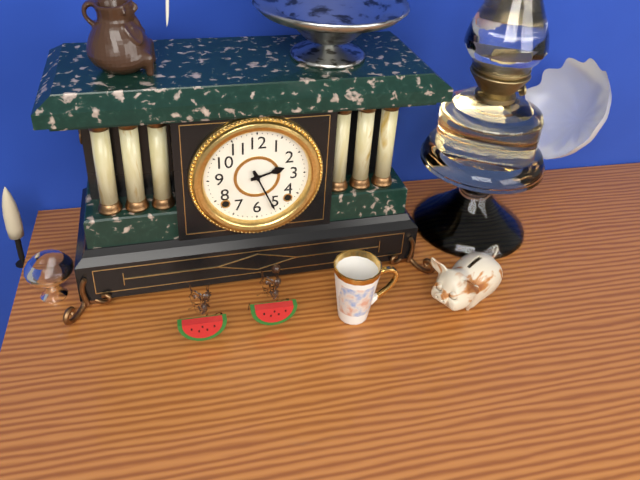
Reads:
2,26
